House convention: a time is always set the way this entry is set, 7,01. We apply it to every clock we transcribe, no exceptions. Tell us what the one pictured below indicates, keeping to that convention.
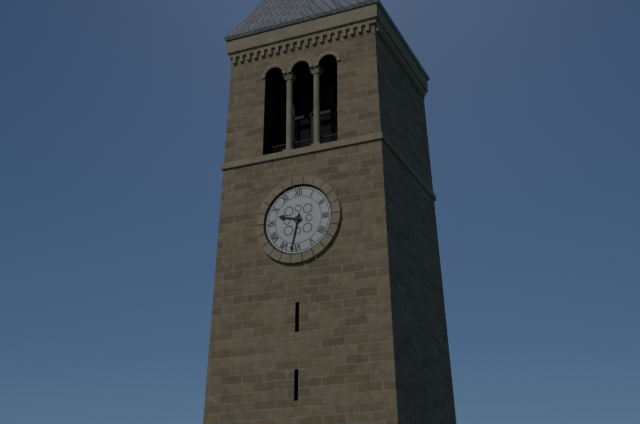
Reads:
9,32
